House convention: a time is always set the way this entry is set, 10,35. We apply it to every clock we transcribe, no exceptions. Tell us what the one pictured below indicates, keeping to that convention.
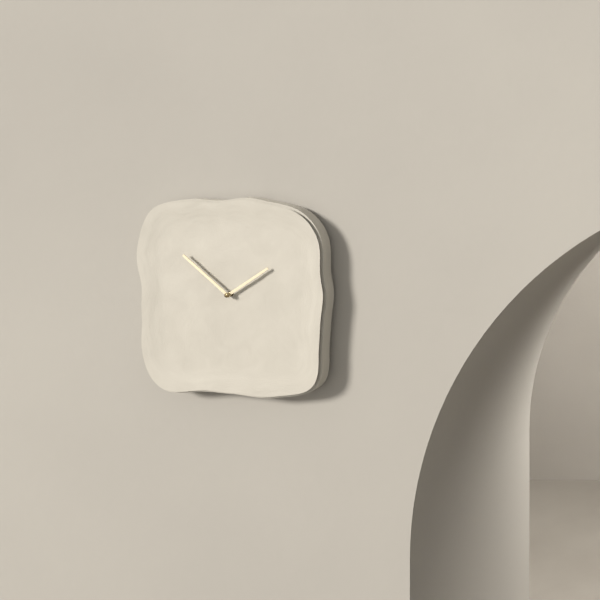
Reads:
1,52
